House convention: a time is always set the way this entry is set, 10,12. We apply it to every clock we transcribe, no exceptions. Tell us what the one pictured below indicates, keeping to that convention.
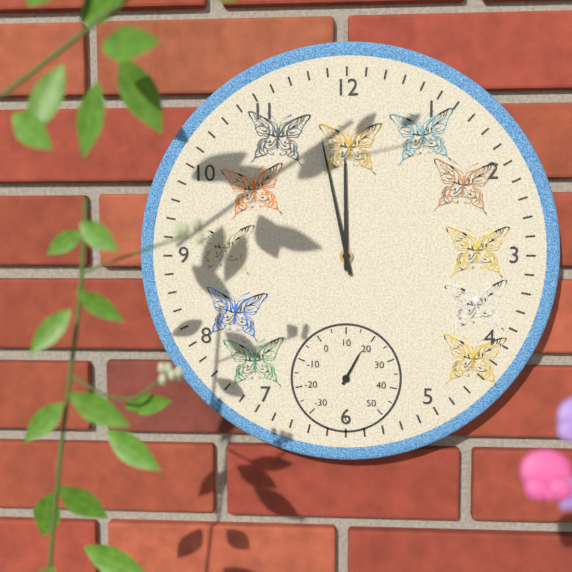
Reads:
11,58
